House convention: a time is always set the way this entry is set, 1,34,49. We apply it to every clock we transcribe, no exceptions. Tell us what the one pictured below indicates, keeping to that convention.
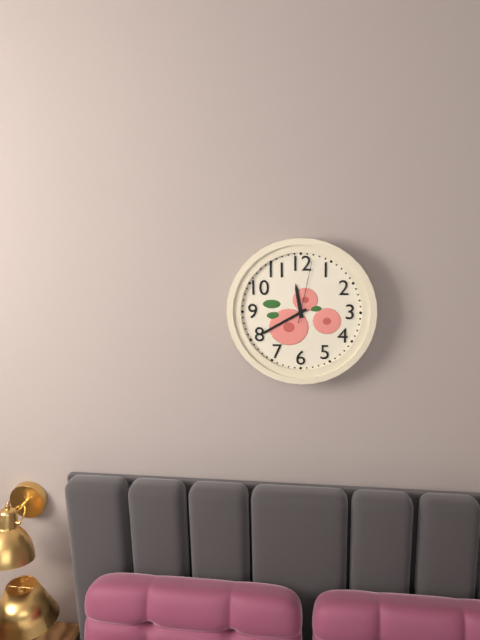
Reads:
11,40,02
